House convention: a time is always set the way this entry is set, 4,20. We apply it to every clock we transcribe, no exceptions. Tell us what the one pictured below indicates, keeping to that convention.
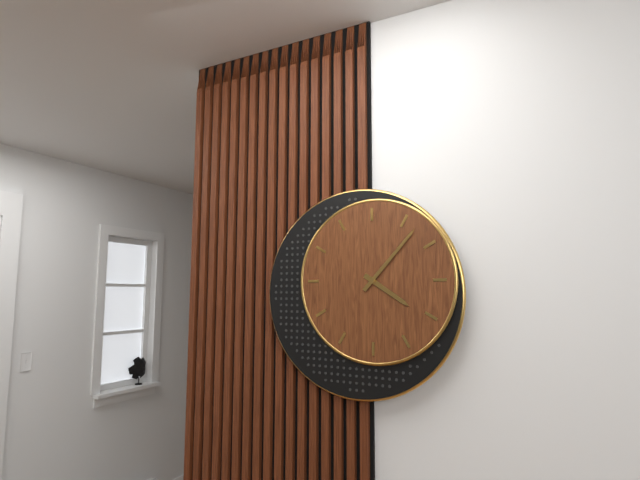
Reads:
4,07
